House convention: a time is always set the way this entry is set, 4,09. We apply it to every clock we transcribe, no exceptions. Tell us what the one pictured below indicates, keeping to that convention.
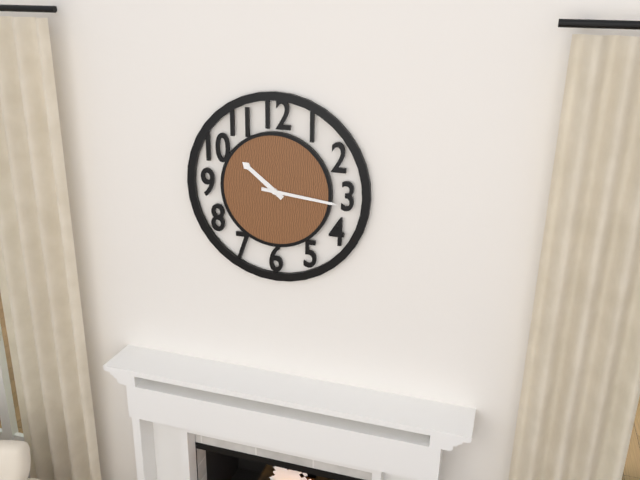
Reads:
10,16
